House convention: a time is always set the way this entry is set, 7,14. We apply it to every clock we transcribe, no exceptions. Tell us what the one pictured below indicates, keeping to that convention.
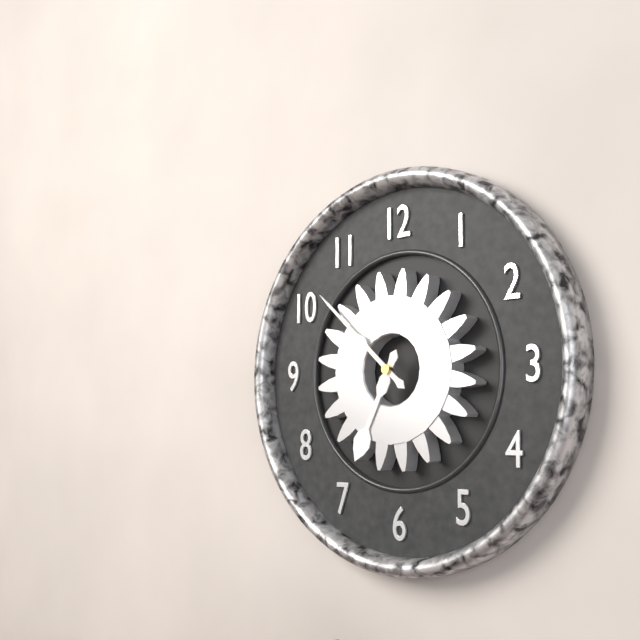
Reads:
6,52
